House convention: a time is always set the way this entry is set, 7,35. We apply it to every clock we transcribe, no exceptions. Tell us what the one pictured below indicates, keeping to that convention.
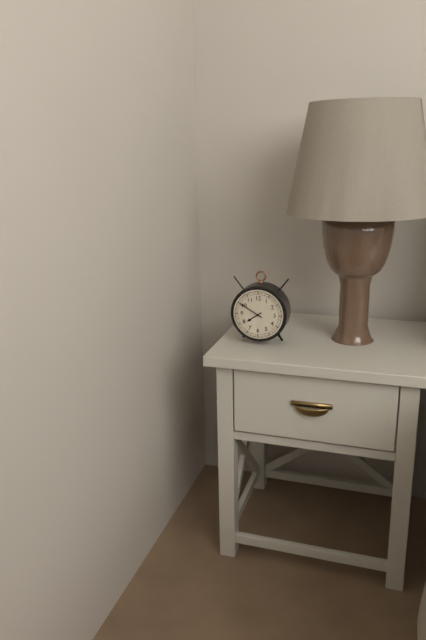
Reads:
7,50
